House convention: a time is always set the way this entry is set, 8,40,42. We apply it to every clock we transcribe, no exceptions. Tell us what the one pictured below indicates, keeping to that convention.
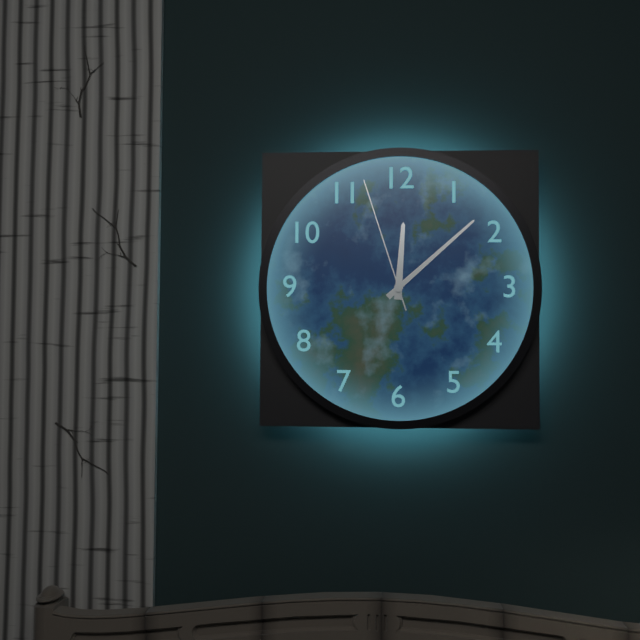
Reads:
12,08,57
